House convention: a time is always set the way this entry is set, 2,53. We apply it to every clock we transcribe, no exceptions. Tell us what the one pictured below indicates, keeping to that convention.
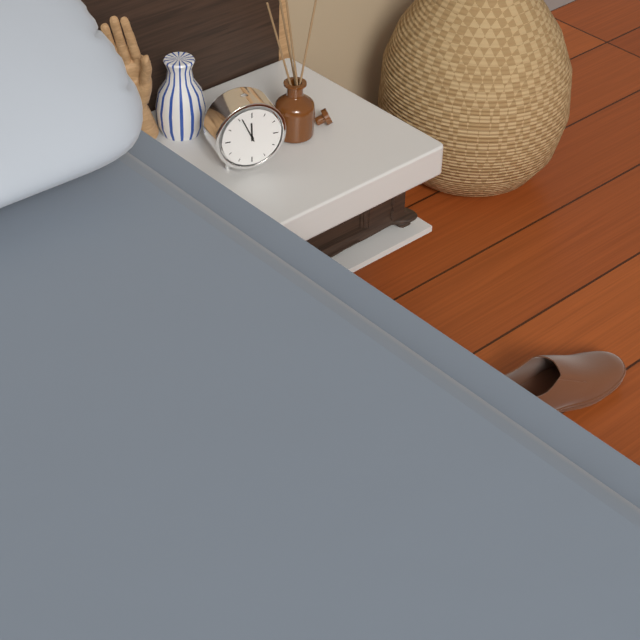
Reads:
11,56
